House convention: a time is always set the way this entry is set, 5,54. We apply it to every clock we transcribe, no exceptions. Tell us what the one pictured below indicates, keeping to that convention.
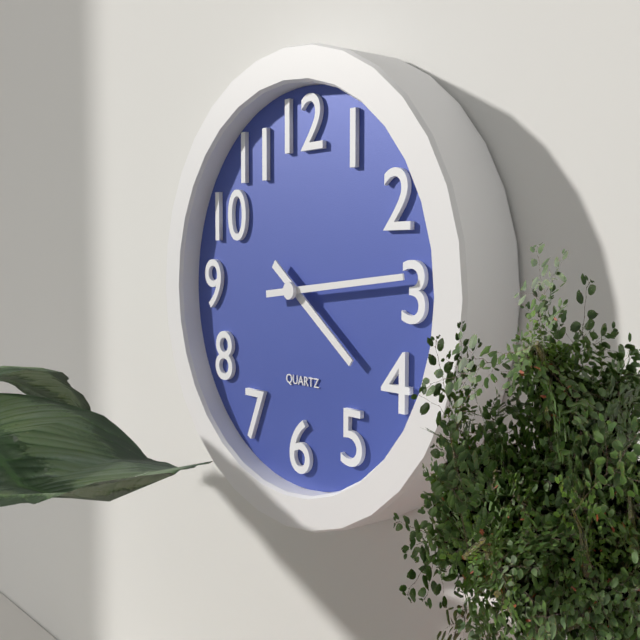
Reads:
4,14
